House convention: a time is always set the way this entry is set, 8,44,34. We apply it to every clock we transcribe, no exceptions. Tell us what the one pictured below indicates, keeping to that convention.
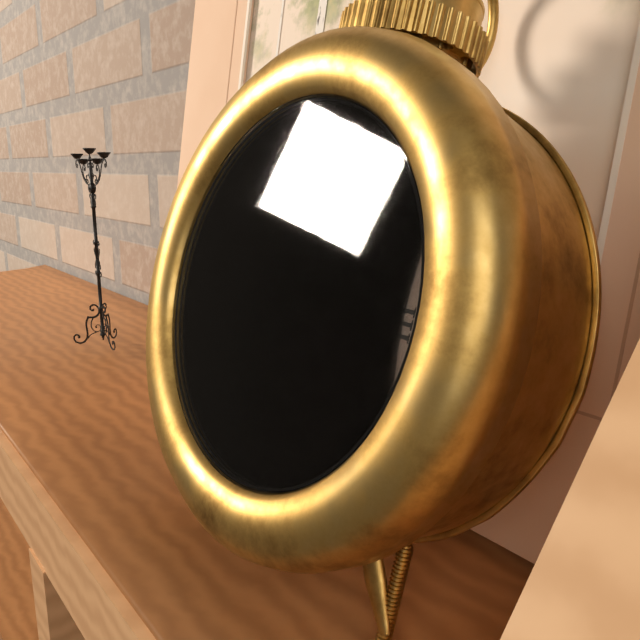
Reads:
4,39,41
